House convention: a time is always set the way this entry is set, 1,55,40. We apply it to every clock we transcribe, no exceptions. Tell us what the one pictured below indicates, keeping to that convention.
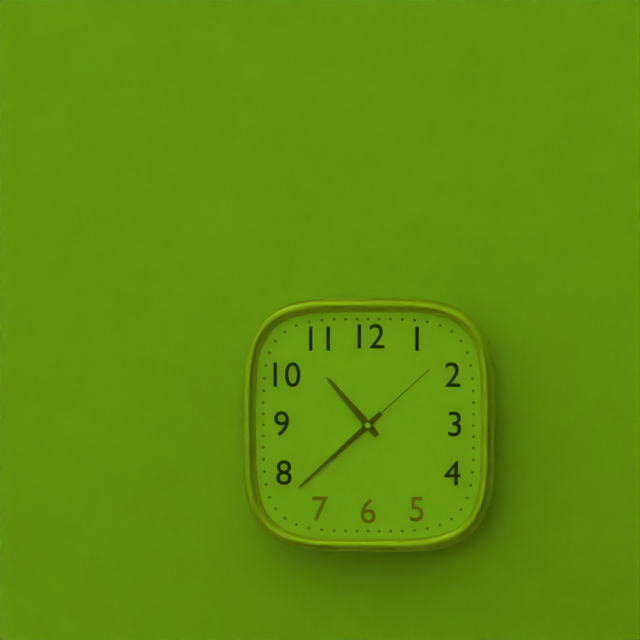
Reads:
10,38,08
